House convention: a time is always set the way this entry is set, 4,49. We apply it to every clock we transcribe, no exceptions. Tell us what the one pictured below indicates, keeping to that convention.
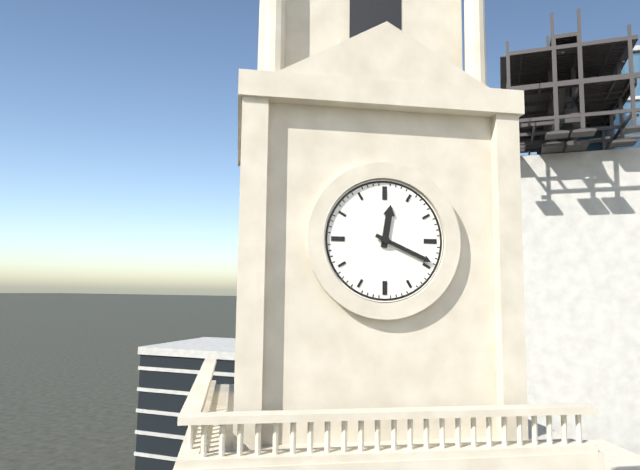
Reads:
12,19
